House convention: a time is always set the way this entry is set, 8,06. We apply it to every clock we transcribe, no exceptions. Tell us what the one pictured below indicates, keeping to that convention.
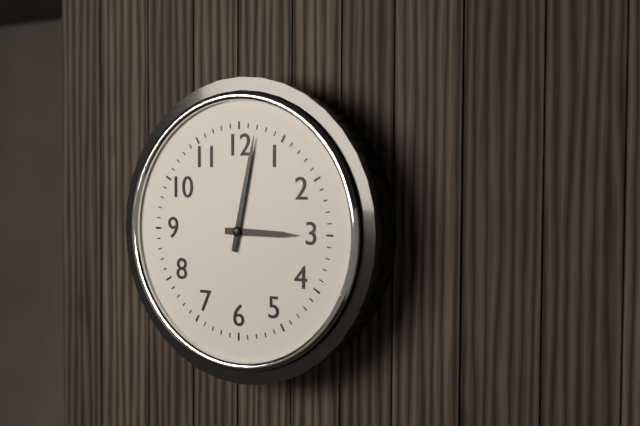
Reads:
3,02
